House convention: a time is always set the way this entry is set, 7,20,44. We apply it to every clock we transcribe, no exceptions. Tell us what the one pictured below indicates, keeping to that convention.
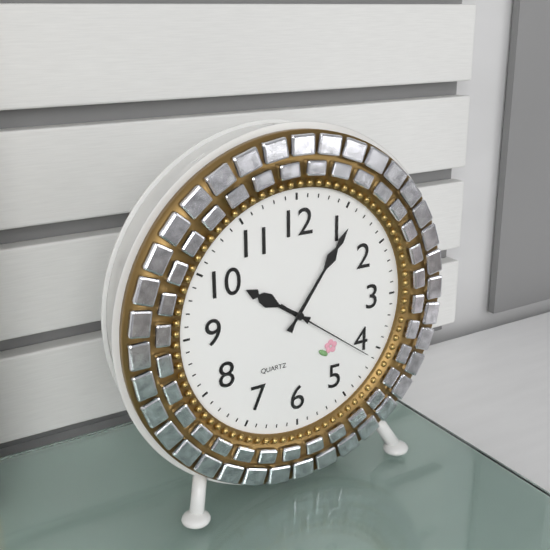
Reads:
10,06,21
